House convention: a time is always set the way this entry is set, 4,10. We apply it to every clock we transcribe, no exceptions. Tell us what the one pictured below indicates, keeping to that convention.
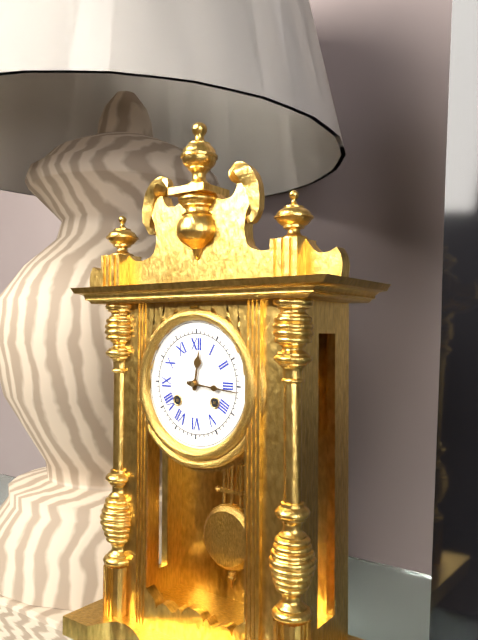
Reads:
12,16
